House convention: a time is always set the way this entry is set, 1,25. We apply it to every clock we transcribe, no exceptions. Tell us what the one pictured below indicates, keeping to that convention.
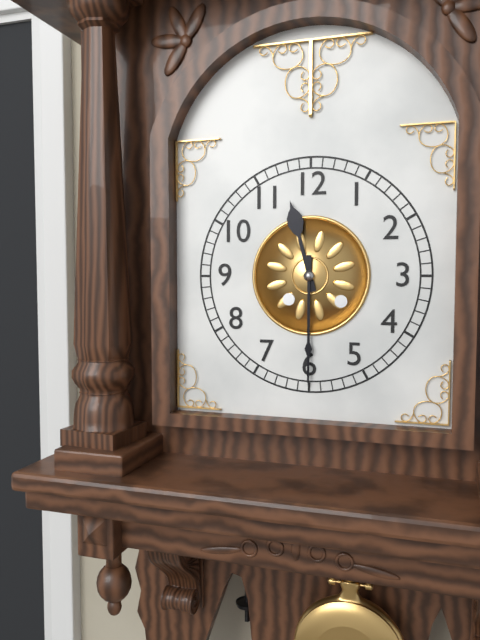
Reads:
11,30
